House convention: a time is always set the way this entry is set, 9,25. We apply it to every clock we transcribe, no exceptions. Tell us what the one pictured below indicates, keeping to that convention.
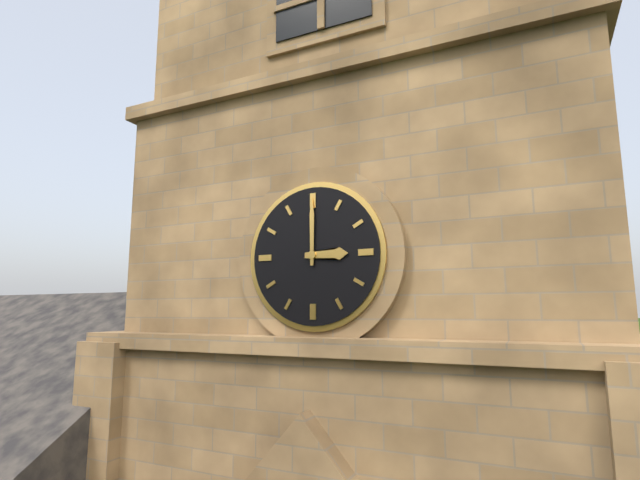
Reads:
3,00
